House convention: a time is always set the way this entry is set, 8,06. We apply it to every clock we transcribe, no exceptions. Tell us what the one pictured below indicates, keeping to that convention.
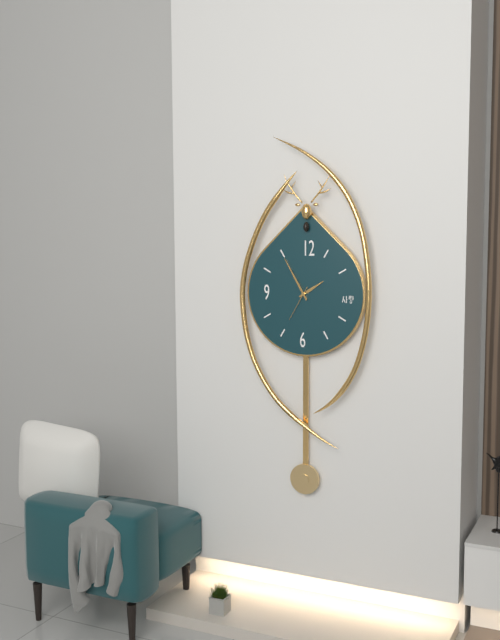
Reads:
1,55
